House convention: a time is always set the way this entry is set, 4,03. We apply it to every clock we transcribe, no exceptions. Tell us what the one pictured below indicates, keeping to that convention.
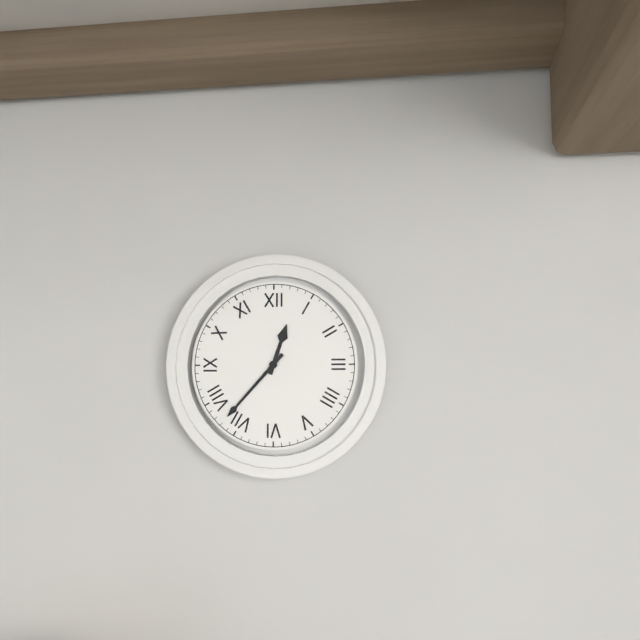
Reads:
12,37
